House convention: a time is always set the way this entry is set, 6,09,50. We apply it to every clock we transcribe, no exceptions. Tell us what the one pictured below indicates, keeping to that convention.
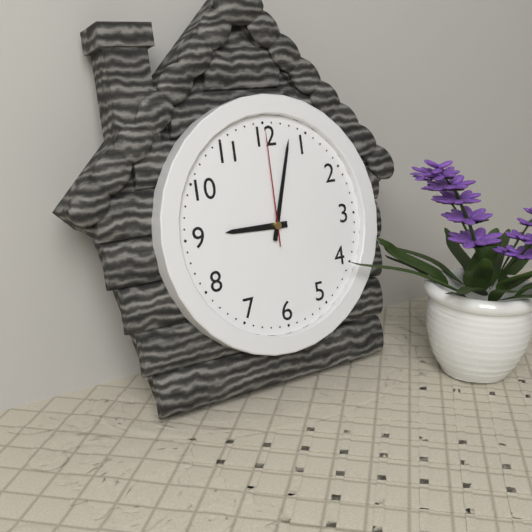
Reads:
9,03,00
